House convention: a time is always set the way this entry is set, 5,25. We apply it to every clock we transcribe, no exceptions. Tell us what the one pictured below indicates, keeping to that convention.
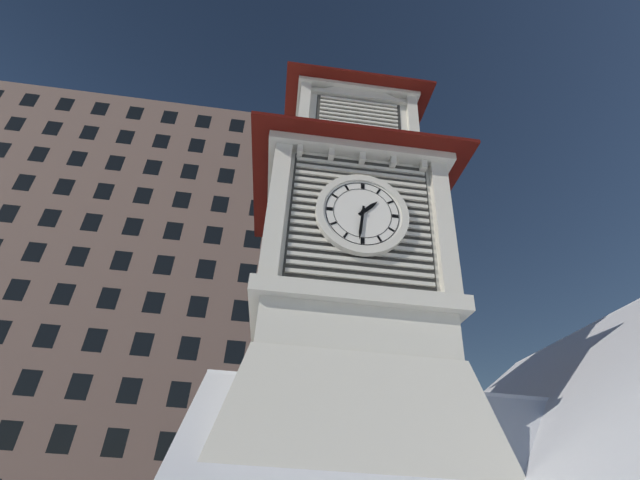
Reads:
1,31
